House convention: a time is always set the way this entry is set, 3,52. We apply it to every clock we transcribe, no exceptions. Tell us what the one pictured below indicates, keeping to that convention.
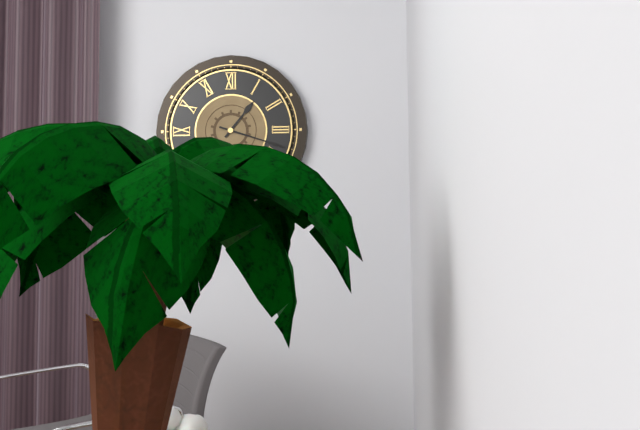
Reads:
1,18
